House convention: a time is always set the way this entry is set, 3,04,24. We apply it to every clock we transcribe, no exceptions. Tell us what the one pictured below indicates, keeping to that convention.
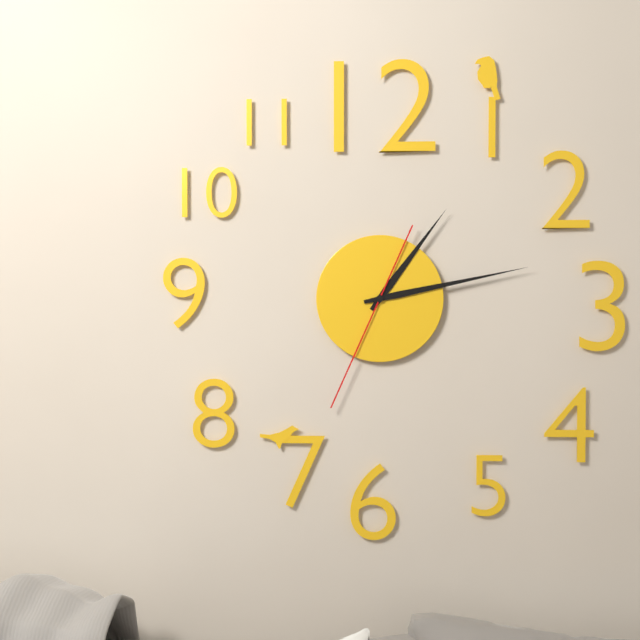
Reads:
1,13,34
